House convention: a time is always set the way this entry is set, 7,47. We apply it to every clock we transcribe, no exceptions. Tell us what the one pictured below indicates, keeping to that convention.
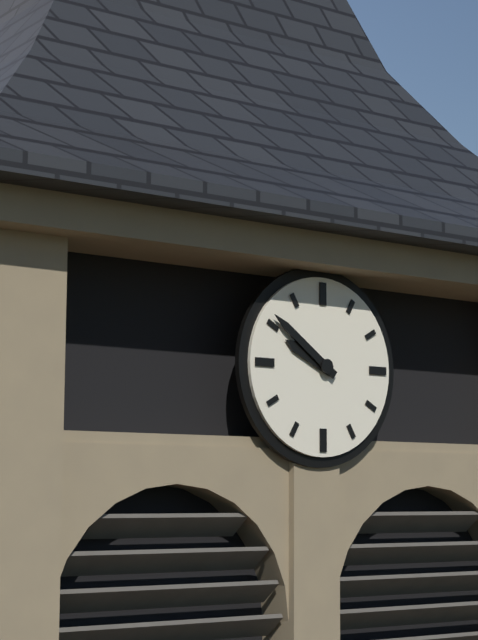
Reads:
9,51
